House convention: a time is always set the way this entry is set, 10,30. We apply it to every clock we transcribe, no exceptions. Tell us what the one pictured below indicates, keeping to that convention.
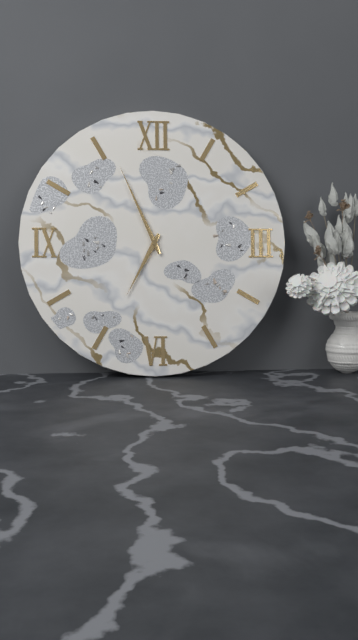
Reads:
6,56
